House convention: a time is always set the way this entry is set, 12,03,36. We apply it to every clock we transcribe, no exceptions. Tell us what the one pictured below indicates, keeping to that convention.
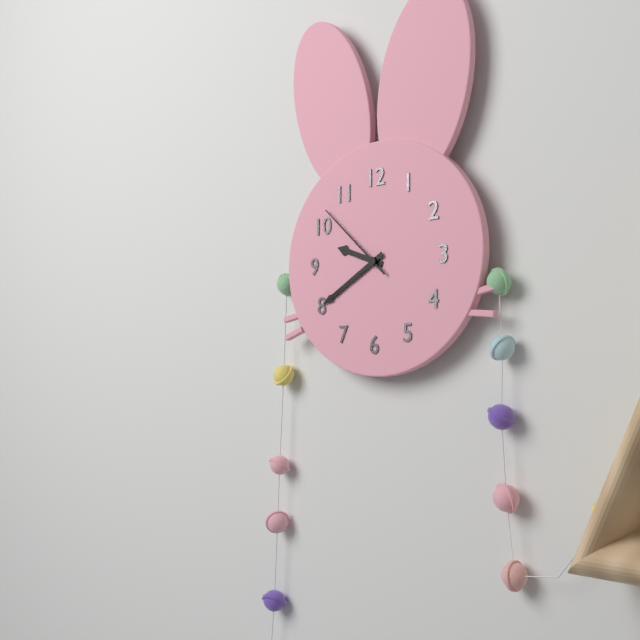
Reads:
9,40,52
